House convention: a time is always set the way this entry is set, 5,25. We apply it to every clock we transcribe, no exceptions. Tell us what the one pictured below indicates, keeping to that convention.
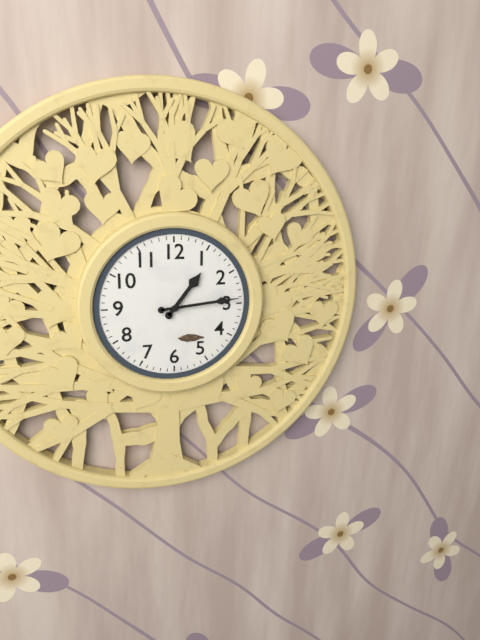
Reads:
1,14
